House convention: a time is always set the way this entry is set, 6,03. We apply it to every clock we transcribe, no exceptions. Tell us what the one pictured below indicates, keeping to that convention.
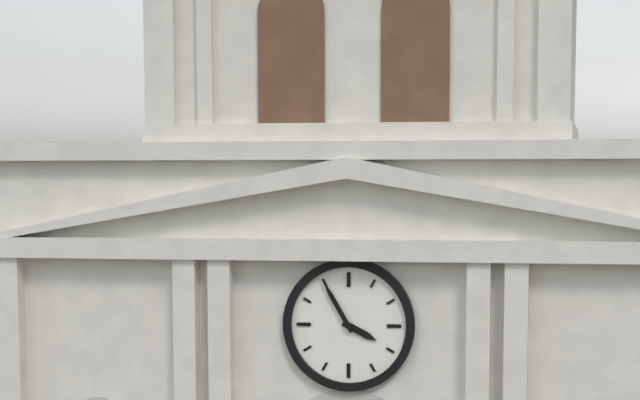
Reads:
3,55
